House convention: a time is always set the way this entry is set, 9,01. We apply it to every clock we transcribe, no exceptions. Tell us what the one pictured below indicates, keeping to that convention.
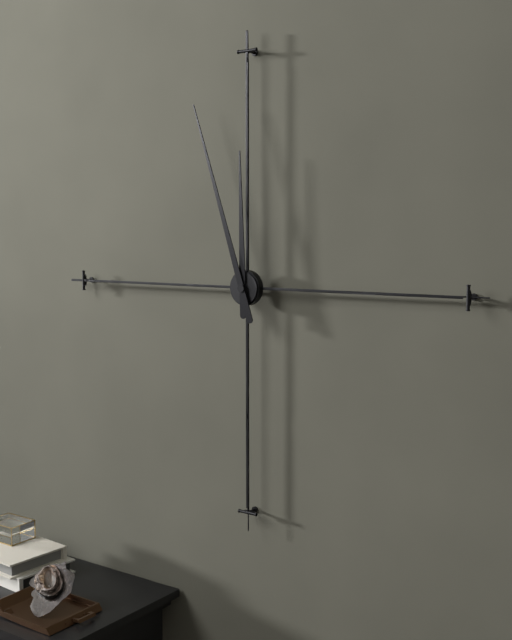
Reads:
11,57
